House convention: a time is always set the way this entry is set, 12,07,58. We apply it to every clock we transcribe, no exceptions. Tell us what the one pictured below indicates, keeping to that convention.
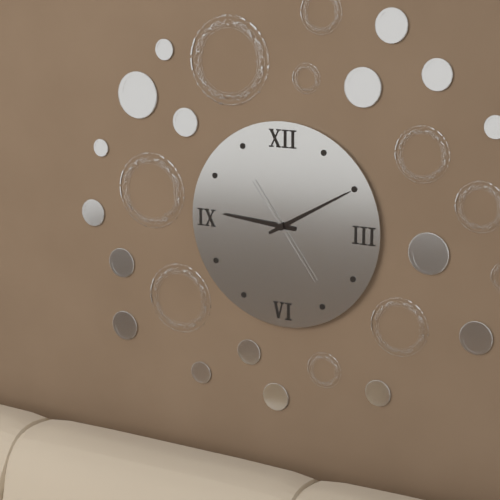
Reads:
9,10,24
